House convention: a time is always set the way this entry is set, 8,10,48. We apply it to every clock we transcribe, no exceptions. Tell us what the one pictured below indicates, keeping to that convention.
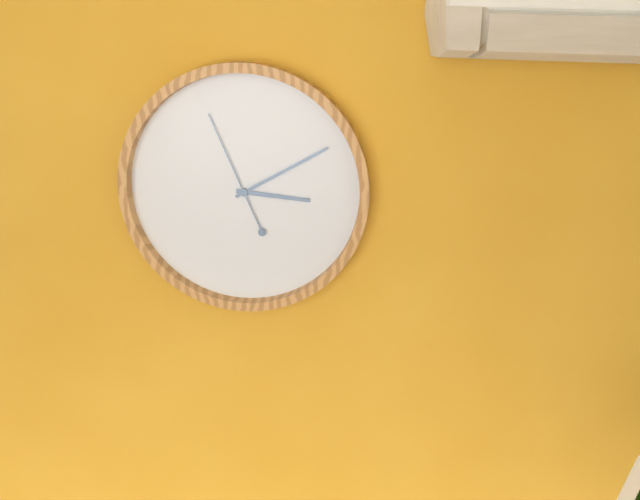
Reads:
3,10,56
